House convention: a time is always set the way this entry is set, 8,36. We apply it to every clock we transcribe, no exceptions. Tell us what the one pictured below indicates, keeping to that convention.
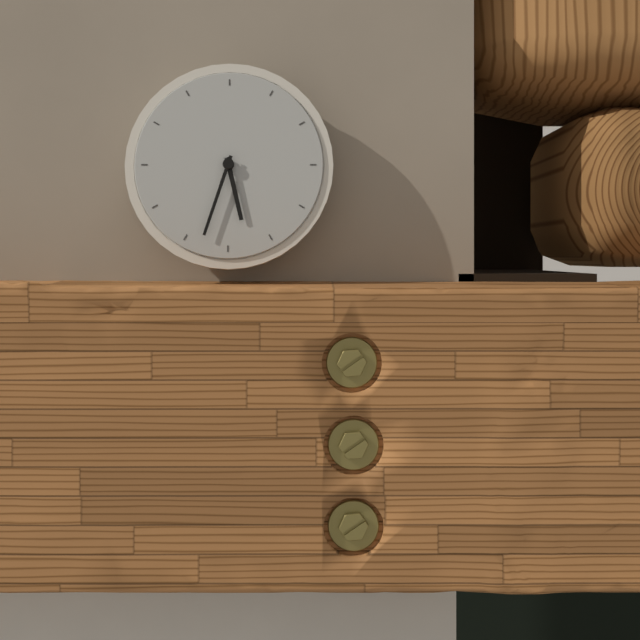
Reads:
5,33
